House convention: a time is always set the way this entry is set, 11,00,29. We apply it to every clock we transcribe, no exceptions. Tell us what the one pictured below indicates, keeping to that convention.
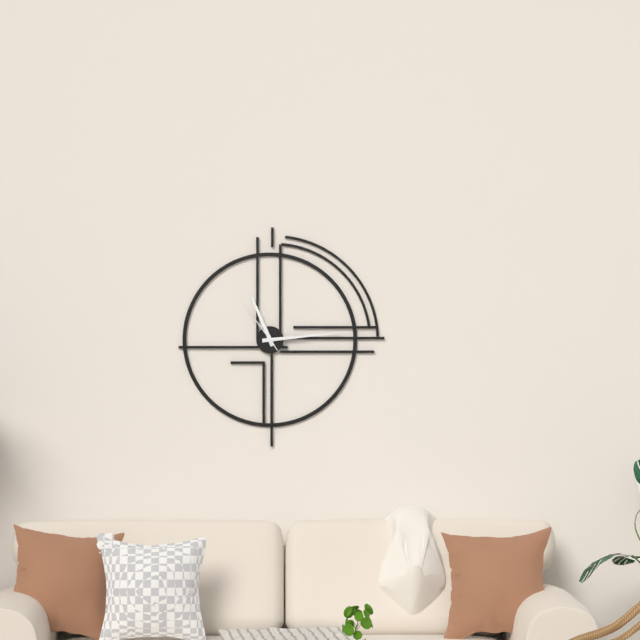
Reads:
11,14,54
